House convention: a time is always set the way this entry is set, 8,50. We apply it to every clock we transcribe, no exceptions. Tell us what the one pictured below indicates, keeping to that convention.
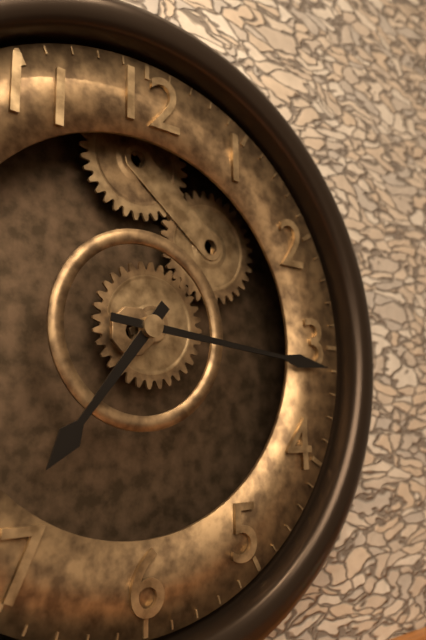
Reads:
7,16
